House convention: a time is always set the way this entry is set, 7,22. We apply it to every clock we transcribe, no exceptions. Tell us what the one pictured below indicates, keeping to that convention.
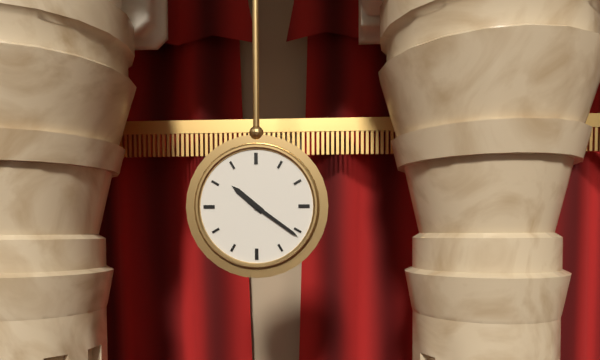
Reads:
10,21
